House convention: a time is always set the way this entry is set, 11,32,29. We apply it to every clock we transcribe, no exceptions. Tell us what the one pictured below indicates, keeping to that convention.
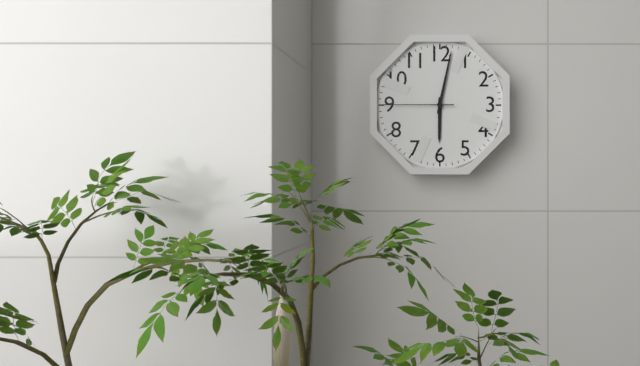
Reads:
6,02,45
